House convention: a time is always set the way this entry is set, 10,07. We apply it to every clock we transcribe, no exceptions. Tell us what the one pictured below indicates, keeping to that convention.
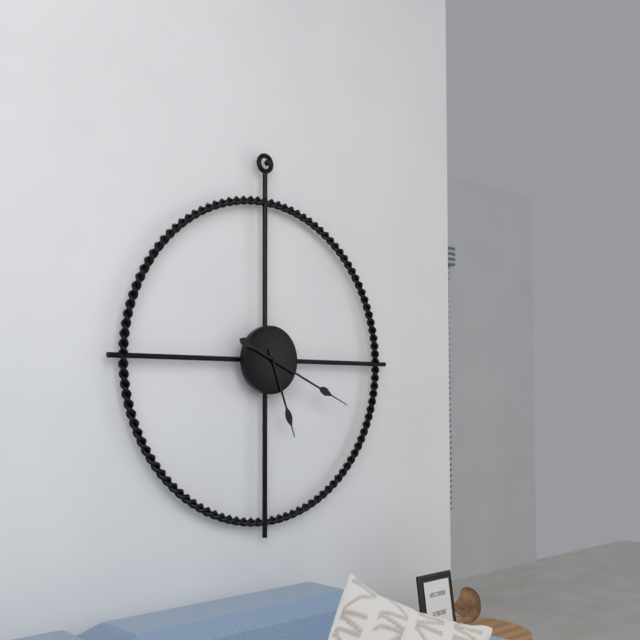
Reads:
5,19
